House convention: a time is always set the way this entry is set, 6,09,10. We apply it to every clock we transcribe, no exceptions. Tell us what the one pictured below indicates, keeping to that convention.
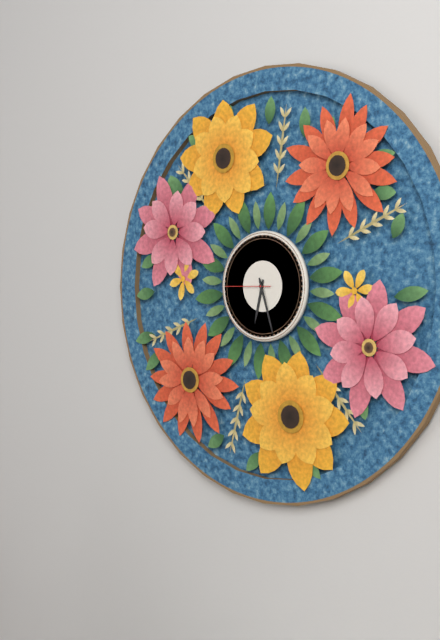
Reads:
6,27,45
